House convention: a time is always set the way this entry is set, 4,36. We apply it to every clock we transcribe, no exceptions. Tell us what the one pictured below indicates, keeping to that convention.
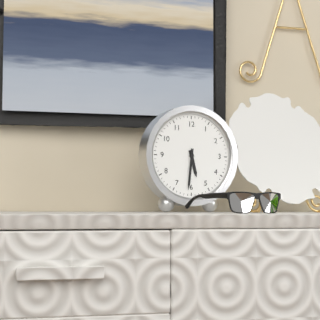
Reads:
5,31
